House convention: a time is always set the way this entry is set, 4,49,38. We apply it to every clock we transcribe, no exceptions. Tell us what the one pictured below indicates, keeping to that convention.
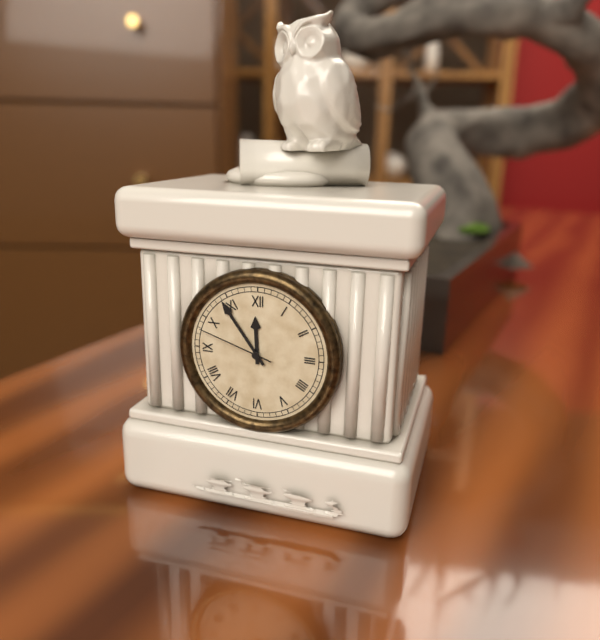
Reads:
11,54,48
